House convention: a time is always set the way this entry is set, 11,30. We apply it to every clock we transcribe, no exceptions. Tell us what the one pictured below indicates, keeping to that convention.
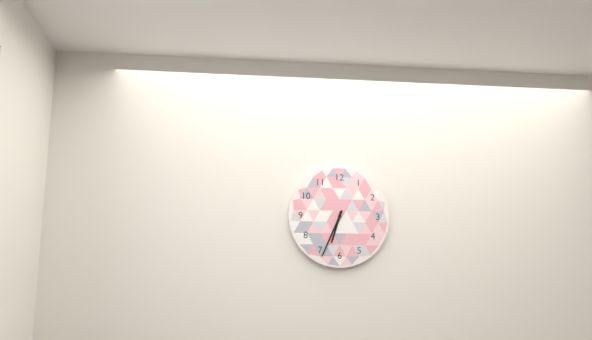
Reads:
6,34
